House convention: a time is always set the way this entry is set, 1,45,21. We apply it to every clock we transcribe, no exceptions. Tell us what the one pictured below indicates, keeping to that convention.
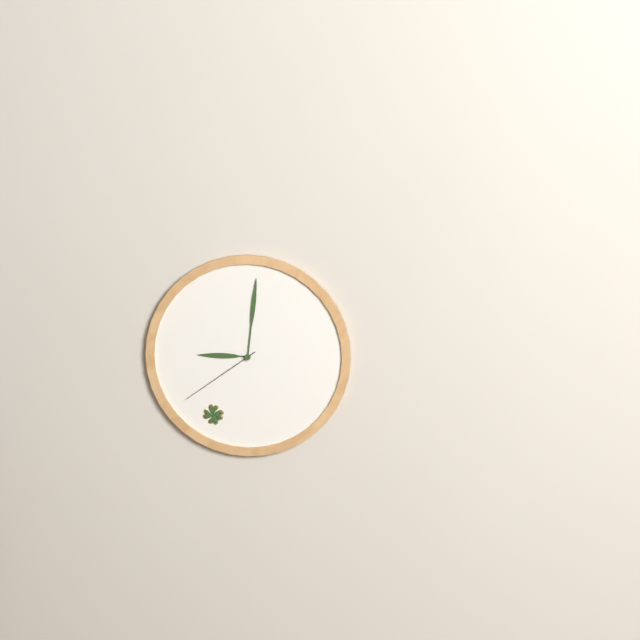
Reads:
9,01,39
